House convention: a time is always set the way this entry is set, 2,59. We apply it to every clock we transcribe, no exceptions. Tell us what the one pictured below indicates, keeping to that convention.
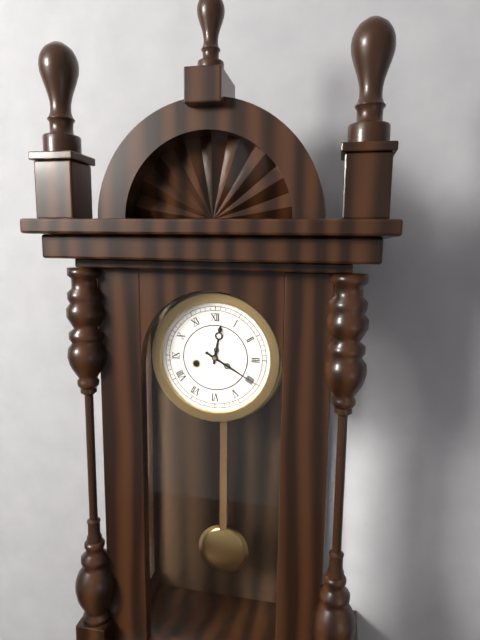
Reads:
12,20
